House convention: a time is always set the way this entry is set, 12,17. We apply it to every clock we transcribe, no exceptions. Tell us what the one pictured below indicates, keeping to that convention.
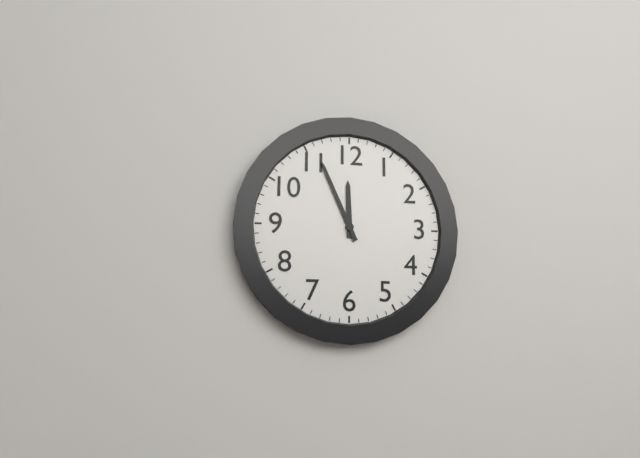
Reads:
11,56
